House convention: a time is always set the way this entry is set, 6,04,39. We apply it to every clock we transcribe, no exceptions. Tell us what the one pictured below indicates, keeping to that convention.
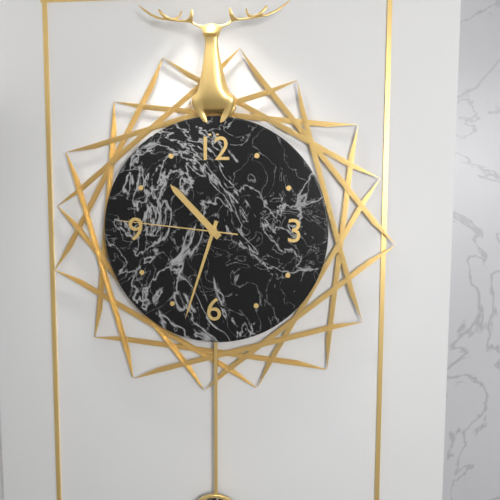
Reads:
10,33,46
